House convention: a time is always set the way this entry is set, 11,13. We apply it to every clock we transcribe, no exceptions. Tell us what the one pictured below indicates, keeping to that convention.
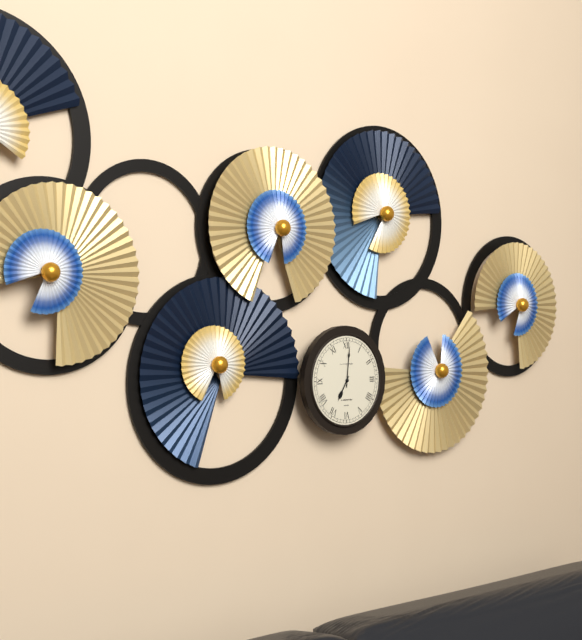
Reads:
7,01
